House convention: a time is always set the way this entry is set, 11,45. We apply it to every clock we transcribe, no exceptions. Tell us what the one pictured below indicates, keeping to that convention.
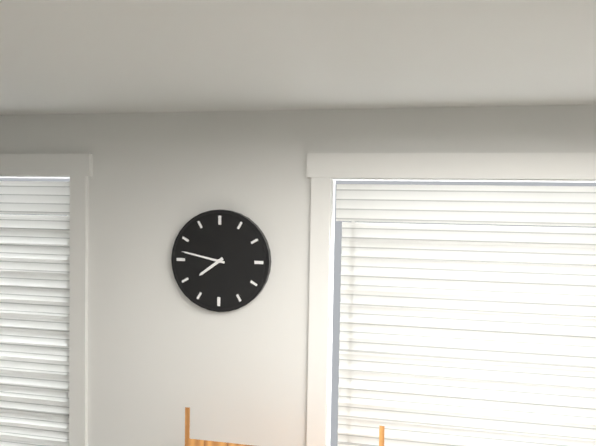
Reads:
7,47
